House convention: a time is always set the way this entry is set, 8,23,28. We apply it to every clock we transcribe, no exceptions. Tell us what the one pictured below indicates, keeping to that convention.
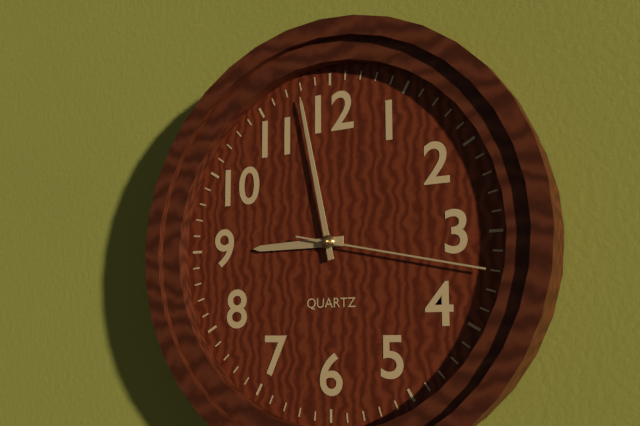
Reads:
8,58,17
